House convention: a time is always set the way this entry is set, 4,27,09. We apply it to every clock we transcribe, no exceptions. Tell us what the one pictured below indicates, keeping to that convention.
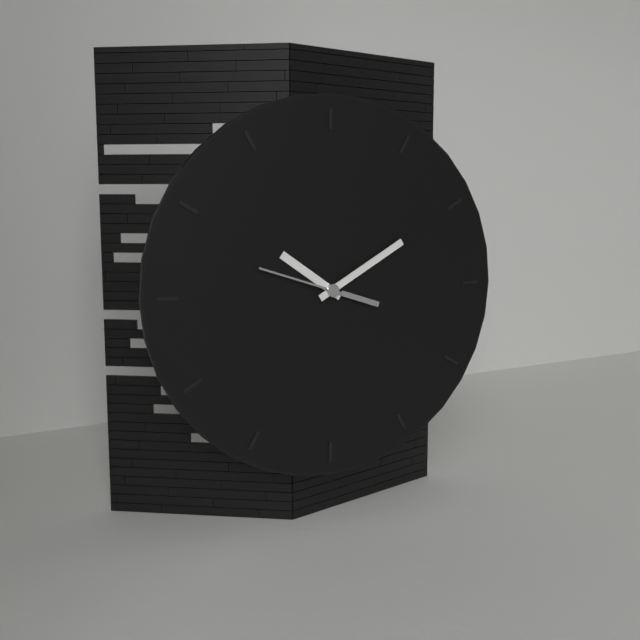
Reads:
10,10,48
